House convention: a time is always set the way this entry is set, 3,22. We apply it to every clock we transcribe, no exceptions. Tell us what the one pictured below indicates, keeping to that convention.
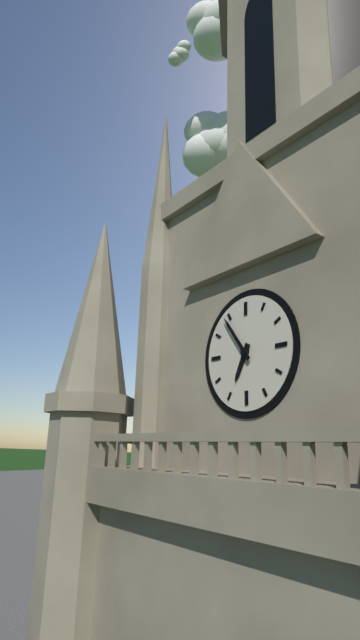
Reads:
6,54
